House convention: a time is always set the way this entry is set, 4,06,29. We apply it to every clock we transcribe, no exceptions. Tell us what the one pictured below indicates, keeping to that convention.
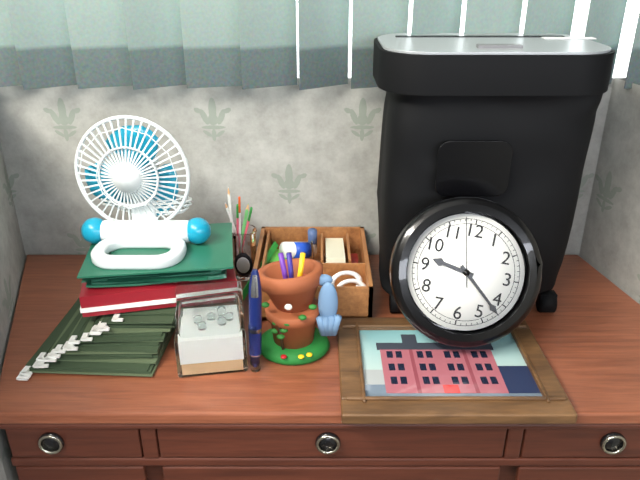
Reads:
9,22,58
